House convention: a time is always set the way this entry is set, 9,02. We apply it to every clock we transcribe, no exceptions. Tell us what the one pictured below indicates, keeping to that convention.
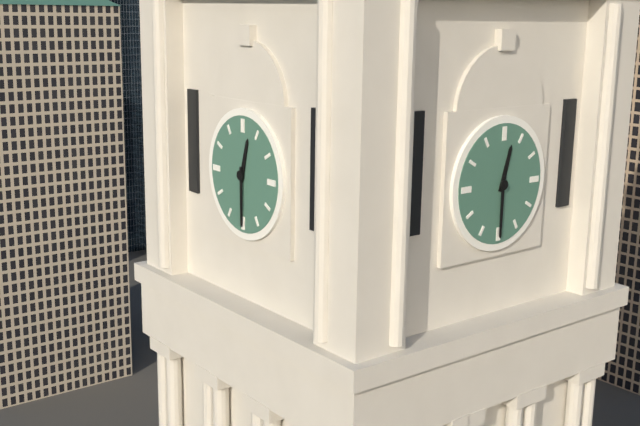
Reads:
12,30
